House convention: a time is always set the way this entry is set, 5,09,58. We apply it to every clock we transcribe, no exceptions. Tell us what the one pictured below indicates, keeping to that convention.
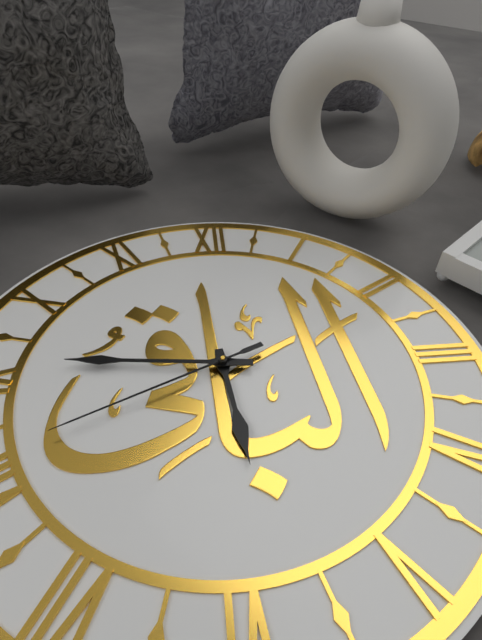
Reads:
5,46,41
